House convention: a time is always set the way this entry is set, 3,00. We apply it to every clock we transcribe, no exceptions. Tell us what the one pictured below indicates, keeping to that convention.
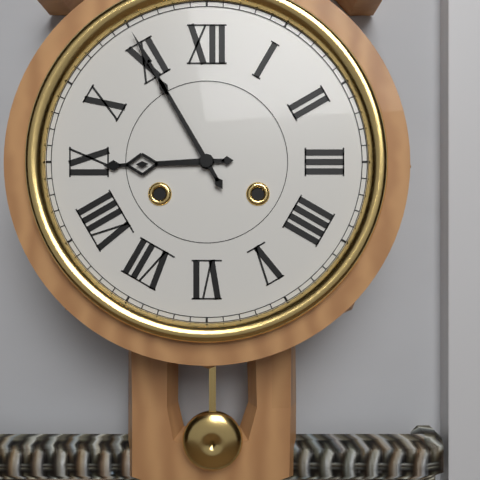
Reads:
8,55
